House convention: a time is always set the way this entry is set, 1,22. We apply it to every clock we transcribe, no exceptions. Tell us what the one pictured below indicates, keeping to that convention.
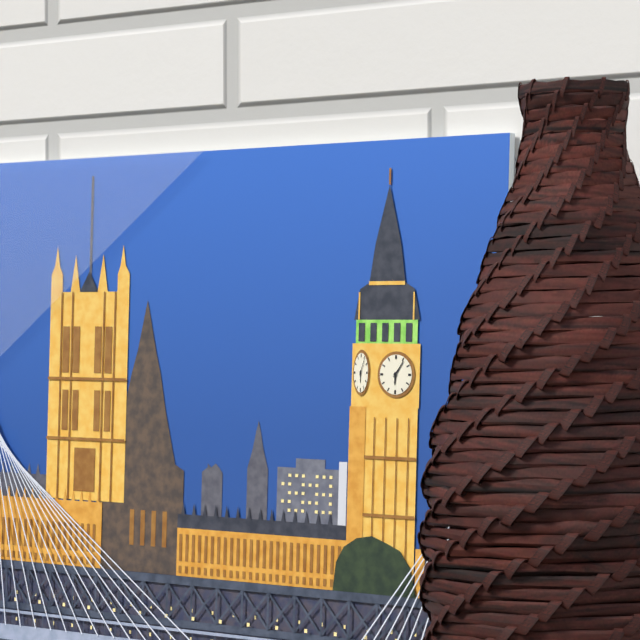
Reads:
6,06
